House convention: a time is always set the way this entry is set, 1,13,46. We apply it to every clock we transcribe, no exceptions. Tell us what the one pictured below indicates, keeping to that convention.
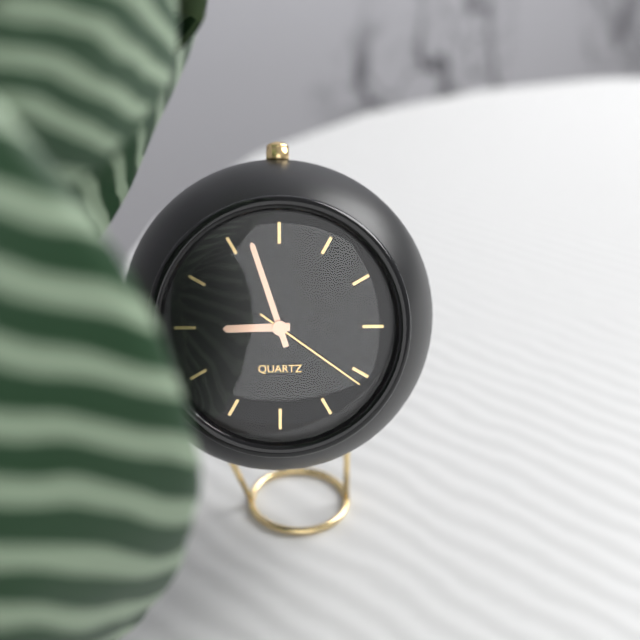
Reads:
8,57,21
